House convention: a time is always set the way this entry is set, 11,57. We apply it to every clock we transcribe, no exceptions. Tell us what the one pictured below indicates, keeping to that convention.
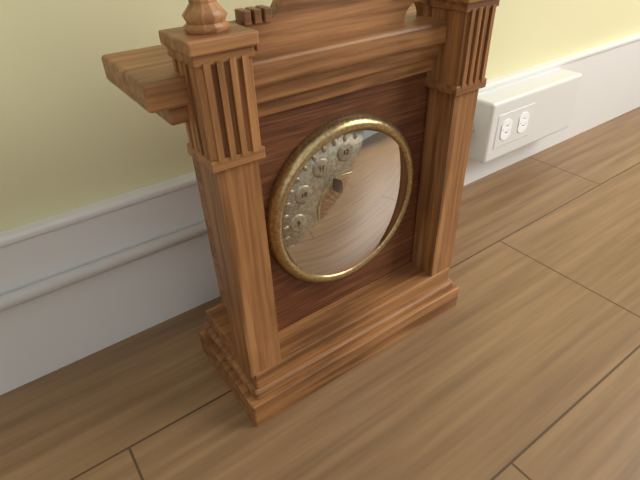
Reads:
11,06
